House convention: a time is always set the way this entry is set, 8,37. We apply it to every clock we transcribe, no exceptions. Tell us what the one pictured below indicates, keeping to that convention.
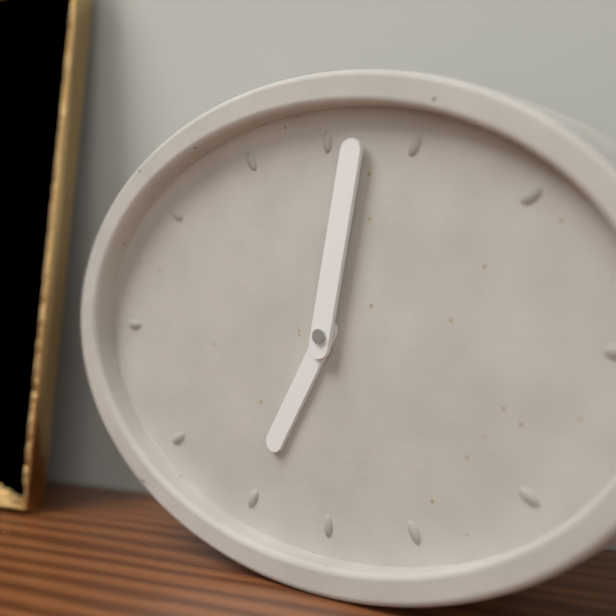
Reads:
7,02
